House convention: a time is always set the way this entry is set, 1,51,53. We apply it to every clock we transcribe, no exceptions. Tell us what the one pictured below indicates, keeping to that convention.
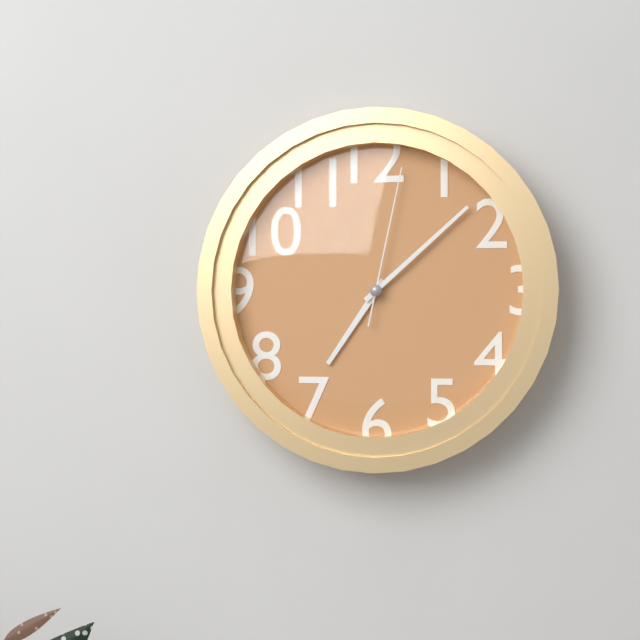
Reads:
7,08,02
